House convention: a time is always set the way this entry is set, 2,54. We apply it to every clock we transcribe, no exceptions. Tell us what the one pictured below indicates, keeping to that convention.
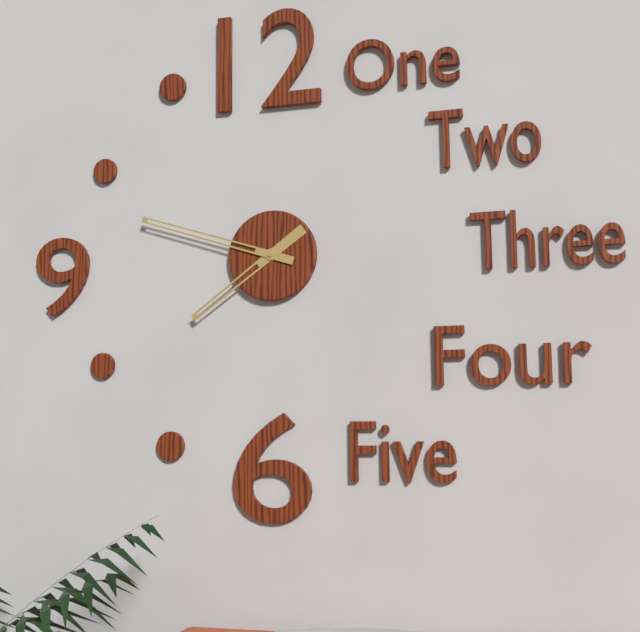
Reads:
7,48
